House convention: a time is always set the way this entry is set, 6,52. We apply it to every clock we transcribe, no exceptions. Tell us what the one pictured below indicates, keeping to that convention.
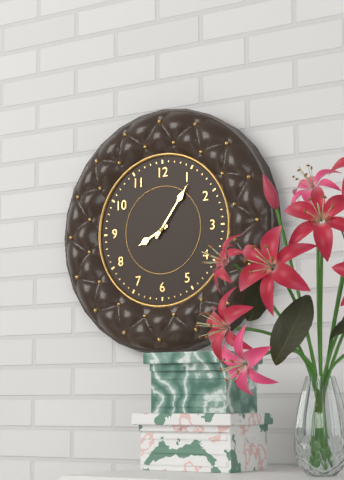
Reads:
8,06
